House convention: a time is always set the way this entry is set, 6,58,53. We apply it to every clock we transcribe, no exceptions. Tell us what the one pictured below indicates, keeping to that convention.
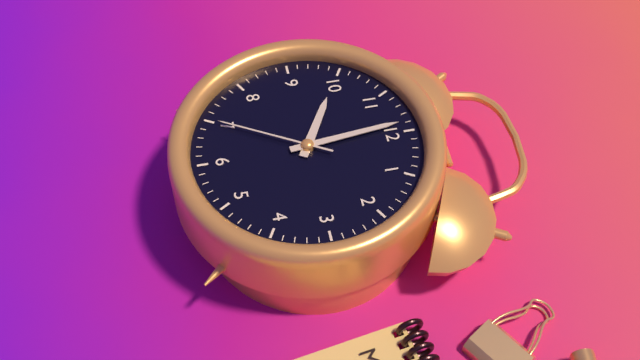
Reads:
9,59,35
